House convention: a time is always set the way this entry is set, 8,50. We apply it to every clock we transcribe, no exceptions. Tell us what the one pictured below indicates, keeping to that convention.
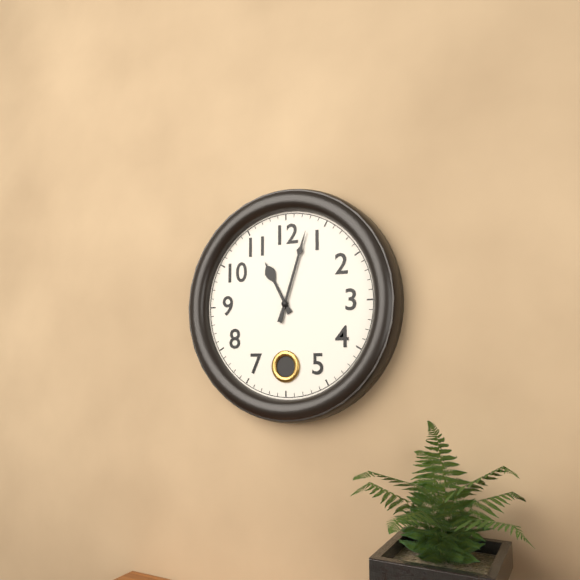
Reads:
11,03
